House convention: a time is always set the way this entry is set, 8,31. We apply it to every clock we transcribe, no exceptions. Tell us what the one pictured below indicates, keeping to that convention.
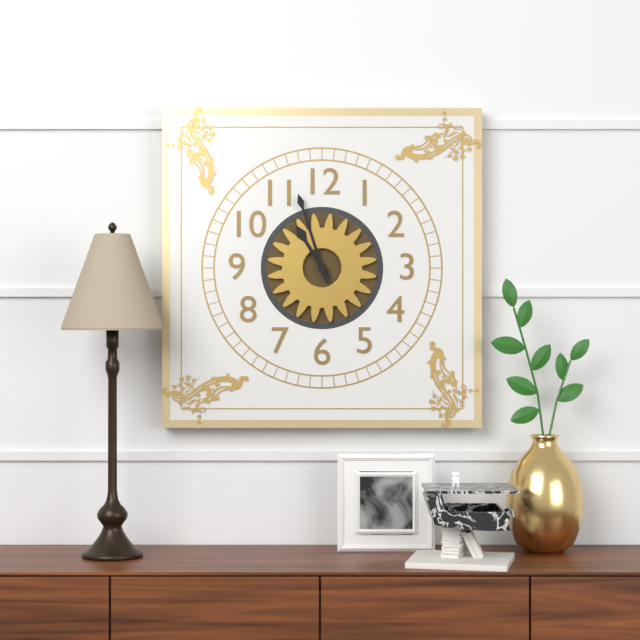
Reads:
10,57
